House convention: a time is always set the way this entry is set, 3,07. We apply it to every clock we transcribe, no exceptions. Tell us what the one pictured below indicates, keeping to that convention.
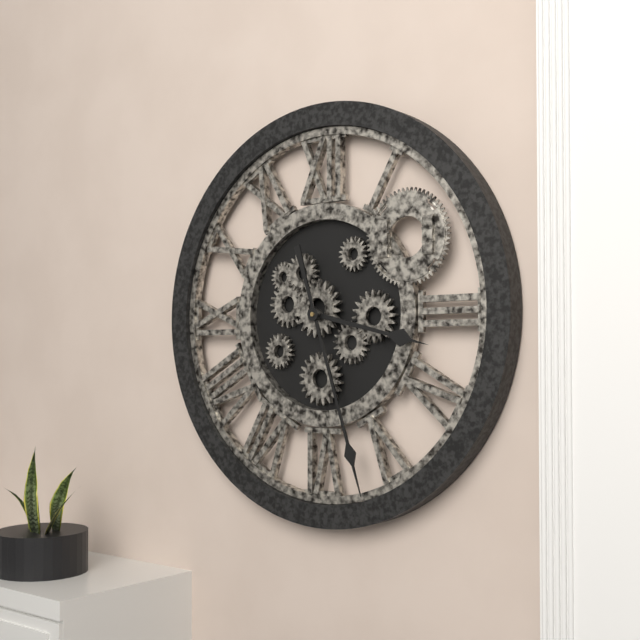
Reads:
3,27
